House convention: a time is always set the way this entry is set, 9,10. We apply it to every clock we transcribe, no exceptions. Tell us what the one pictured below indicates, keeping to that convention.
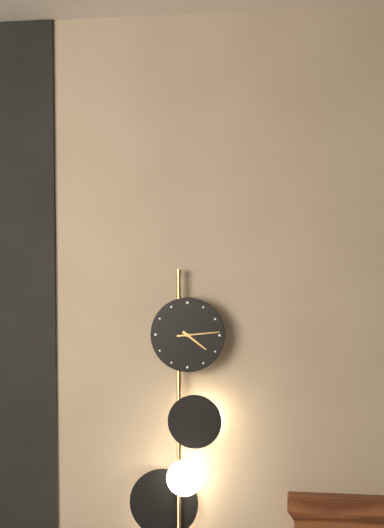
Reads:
4,14
